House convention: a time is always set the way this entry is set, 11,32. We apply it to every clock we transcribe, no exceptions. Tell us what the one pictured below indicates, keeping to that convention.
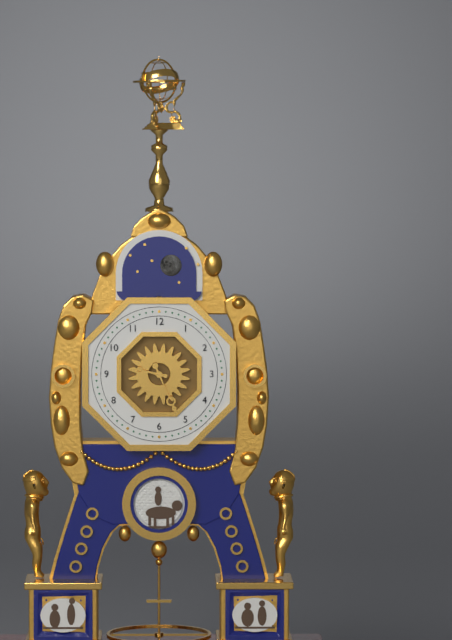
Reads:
9,26
